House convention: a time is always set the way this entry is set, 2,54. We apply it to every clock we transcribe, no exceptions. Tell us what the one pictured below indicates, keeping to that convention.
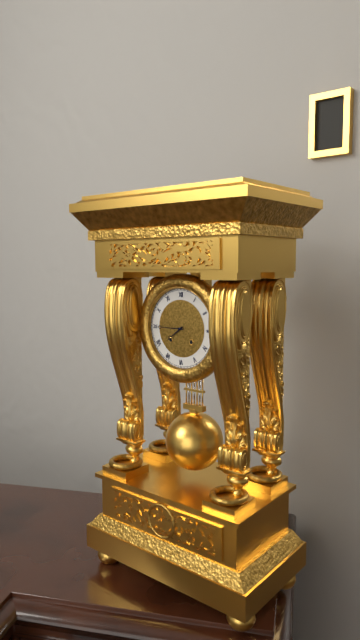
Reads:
7,45
